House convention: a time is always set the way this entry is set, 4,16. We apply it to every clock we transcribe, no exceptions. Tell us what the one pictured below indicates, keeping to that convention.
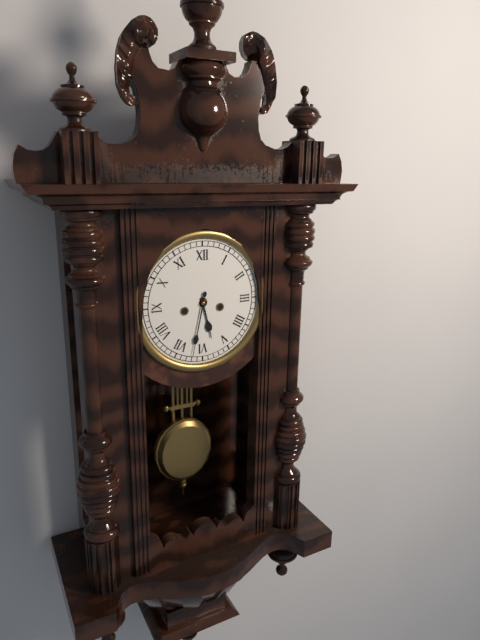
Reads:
5,32
